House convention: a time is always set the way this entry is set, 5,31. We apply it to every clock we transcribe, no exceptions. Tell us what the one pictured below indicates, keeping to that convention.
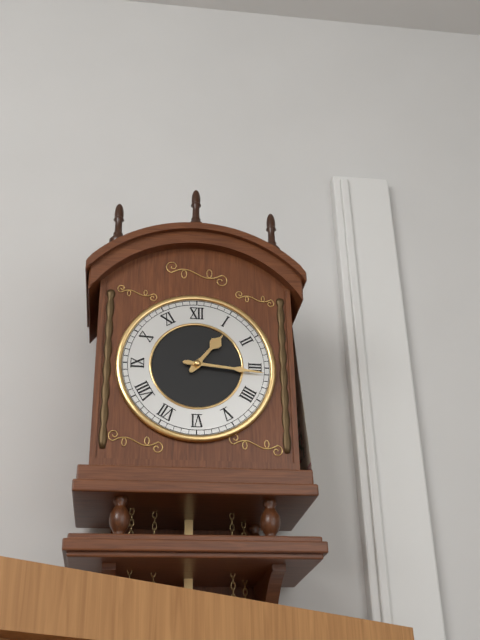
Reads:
1,16
